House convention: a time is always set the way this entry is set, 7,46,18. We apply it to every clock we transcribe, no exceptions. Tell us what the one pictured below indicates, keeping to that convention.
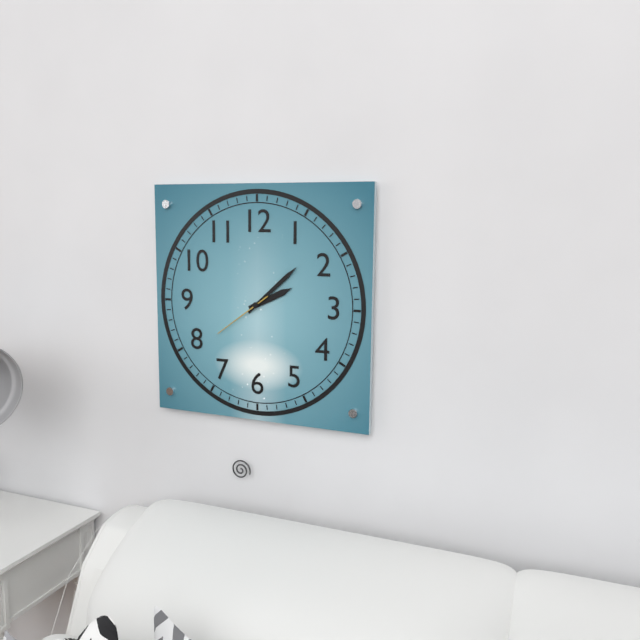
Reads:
2,08,39
